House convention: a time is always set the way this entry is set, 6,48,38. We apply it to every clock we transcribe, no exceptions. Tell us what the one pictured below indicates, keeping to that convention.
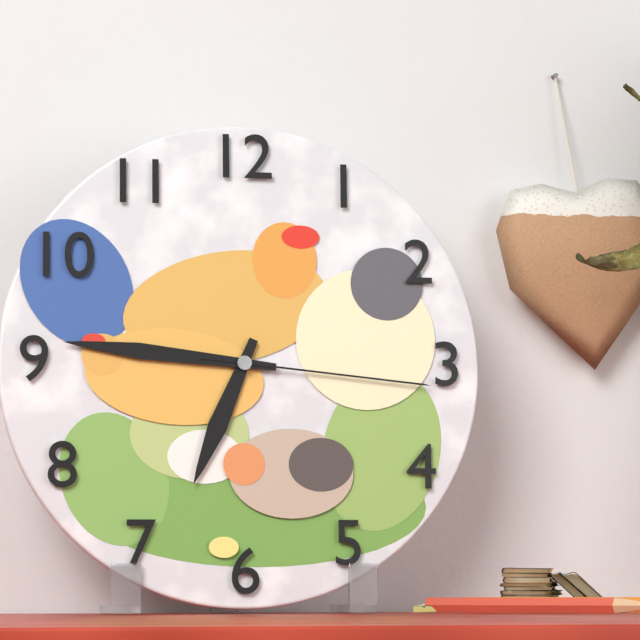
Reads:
6,46,16
